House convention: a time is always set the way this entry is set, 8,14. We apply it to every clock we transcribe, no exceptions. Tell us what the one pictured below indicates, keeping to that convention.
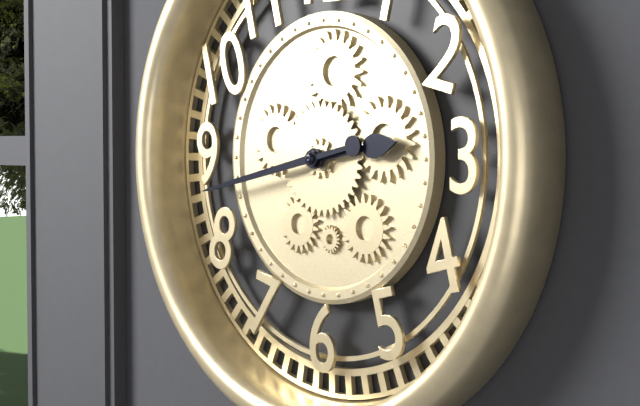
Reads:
2,43
